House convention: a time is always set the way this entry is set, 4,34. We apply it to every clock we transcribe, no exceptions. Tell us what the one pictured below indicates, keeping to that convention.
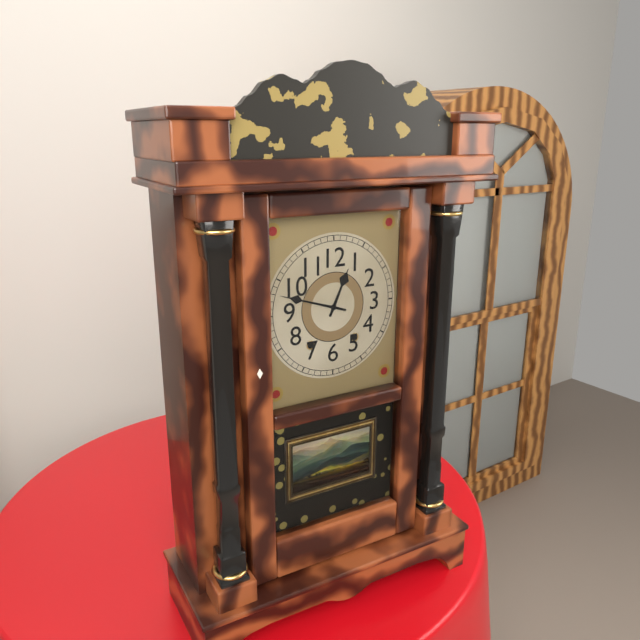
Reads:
12,48
